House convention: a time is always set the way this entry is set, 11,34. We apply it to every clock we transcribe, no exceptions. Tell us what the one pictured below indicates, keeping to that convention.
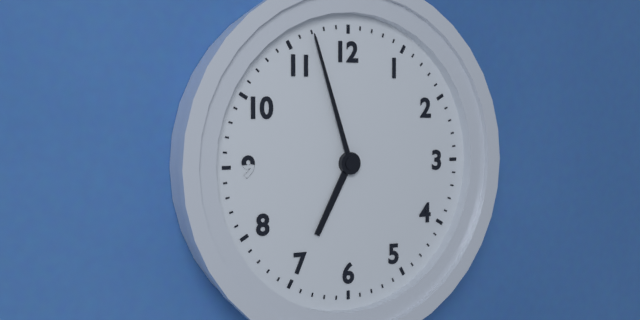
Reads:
6,57
